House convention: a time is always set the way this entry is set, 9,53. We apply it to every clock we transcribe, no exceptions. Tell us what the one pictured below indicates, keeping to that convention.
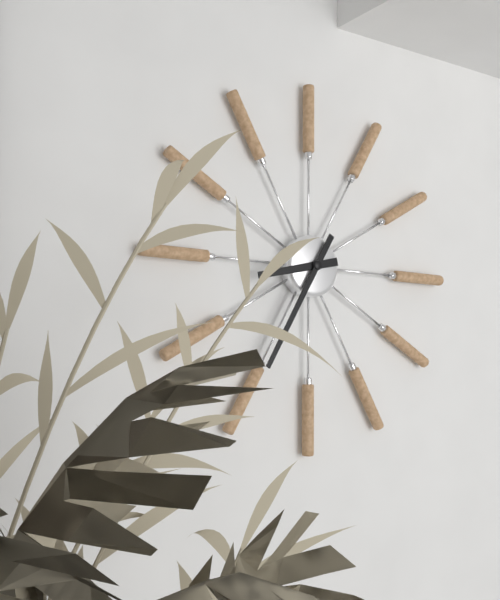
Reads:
8,35
